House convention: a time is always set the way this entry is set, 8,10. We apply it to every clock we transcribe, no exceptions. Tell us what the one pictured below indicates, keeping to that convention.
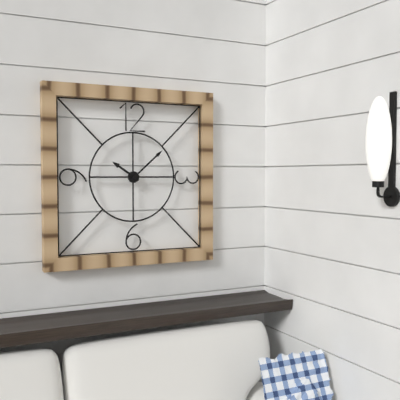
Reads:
10,08
